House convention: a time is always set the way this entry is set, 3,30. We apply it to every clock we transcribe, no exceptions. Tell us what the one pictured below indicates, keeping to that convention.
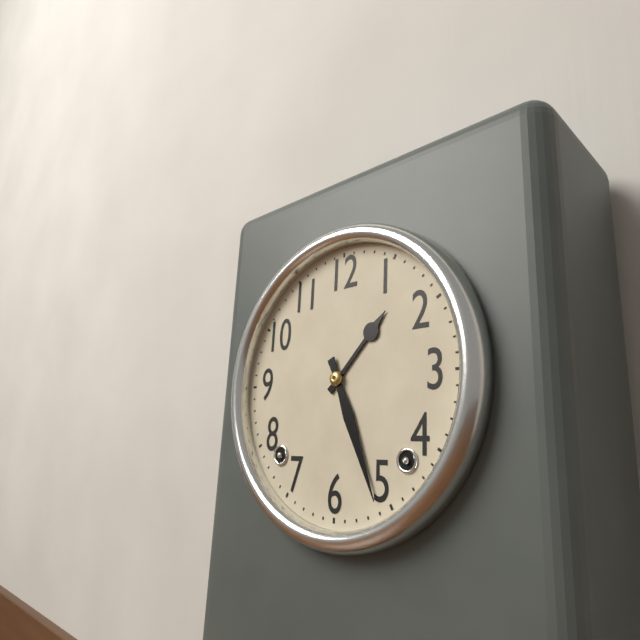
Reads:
1,26
